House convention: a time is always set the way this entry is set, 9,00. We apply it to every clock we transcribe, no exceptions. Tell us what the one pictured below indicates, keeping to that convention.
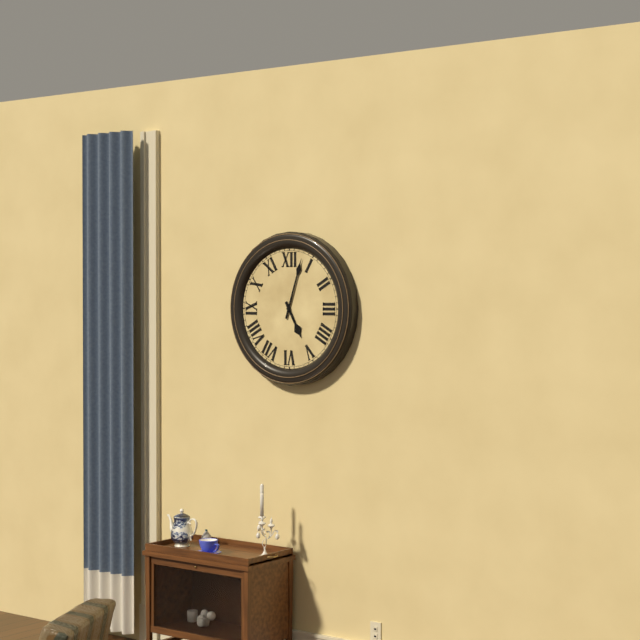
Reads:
5,03
